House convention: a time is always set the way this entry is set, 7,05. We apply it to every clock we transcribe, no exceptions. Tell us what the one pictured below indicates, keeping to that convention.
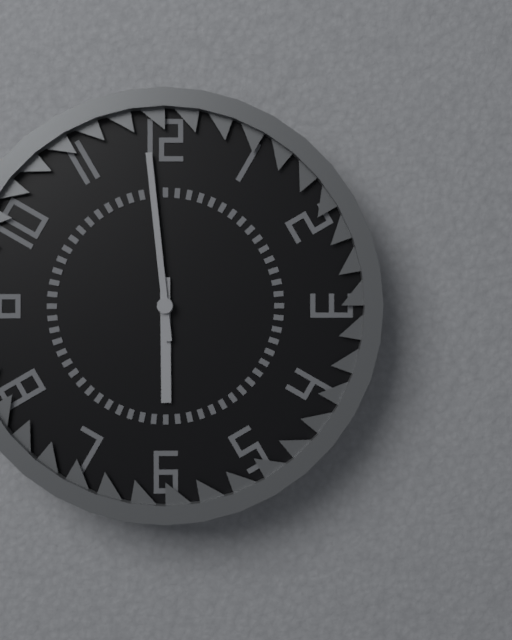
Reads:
5,59
